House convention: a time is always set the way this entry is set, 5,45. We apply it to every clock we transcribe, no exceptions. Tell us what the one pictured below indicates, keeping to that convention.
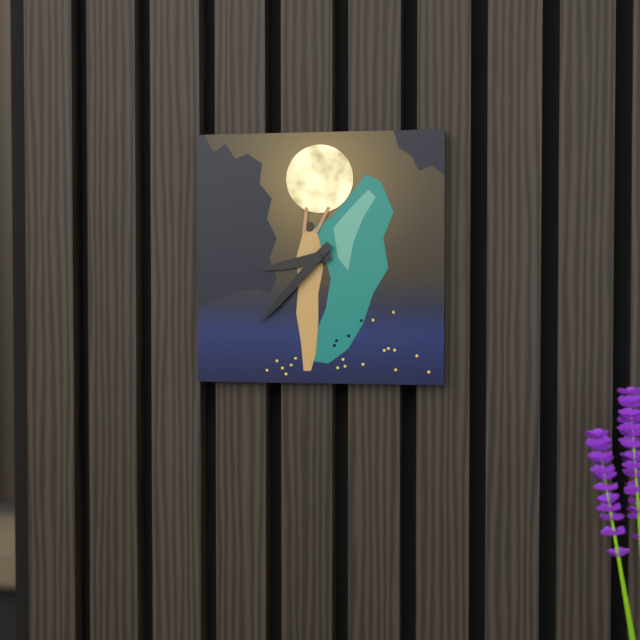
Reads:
8,37
